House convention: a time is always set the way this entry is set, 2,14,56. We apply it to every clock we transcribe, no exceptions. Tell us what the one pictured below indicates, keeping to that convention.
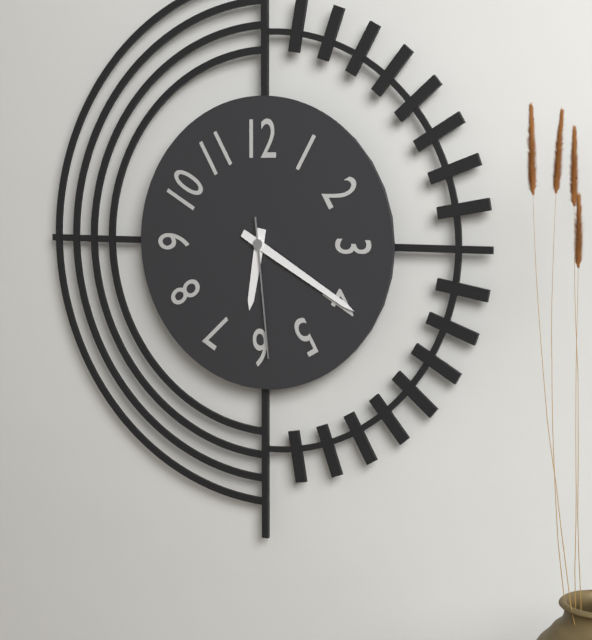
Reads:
6,20,29
